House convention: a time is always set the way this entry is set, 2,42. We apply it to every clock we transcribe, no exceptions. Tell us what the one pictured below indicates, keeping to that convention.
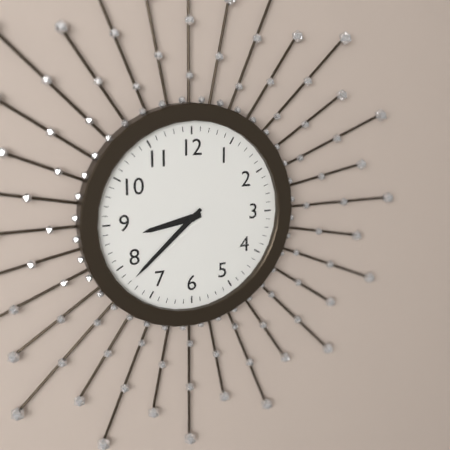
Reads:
8,38
